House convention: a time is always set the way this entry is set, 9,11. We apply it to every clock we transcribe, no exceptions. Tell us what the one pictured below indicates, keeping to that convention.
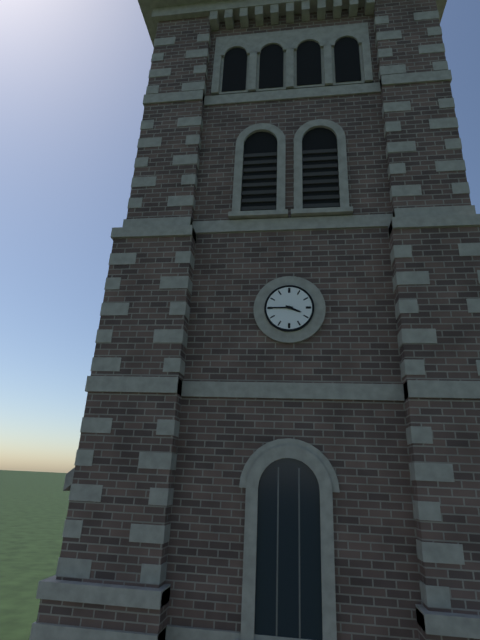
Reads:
3,45
